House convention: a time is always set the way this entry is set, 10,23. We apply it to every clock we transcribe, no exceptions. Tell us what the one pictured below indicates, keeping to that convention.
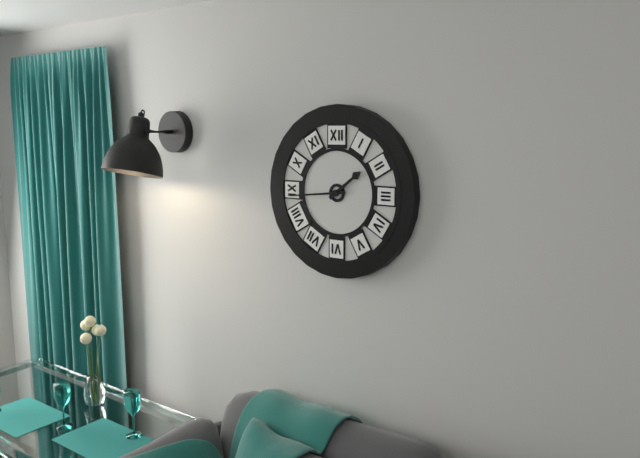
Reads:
1,44
